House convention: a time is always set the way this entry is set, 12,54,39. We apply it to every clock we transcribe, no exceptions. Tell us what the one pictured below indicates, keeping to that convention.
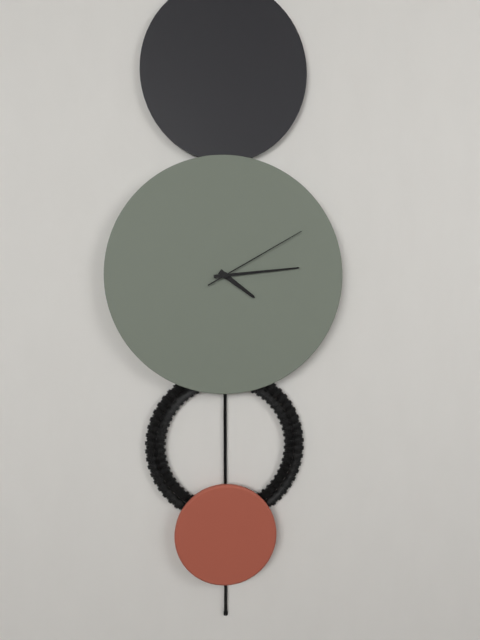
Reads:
4,14,10
